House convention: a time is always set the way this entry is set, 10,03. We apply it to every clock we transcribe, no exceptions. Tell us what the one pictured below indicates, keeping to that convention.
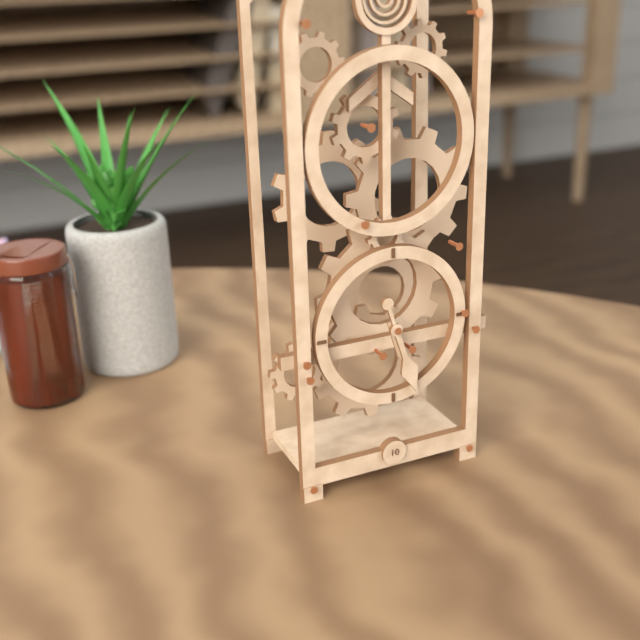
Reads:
5,27
